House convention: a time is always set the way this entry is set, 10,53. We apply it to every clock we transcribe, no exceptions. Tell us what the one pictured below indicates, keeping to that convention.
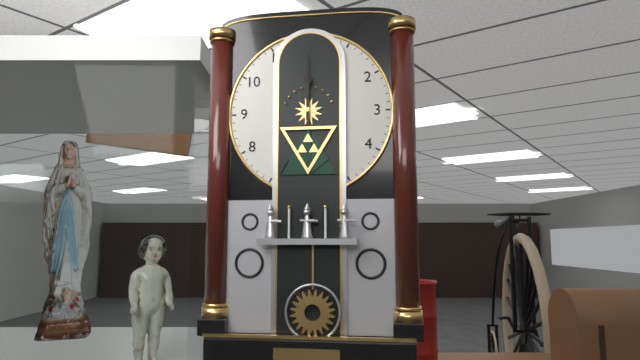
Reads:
12,00
